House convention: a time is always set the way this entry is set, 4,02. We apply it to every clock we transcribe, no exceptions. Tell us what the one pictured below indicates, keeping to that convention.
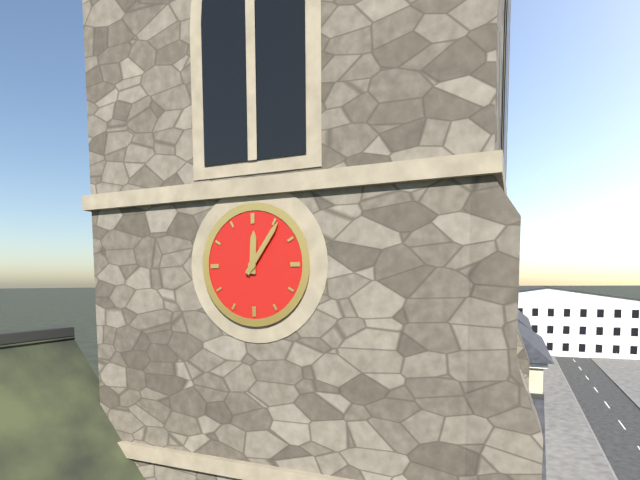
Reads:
12,06
